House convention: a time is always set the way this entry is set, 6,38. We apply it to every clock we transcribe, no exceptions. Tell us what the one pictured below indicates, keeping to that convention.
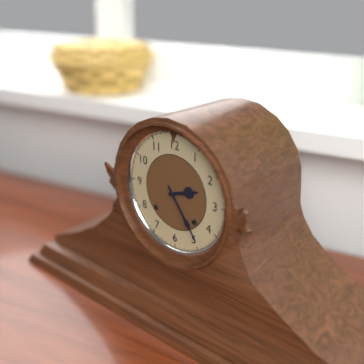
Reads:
2,24
